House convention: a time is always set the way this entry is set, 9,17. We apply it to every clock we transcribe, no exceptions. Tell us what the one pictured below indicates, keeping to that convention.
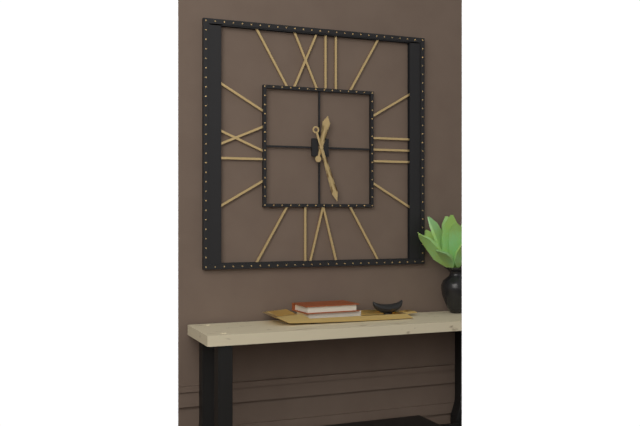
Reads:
12,27
